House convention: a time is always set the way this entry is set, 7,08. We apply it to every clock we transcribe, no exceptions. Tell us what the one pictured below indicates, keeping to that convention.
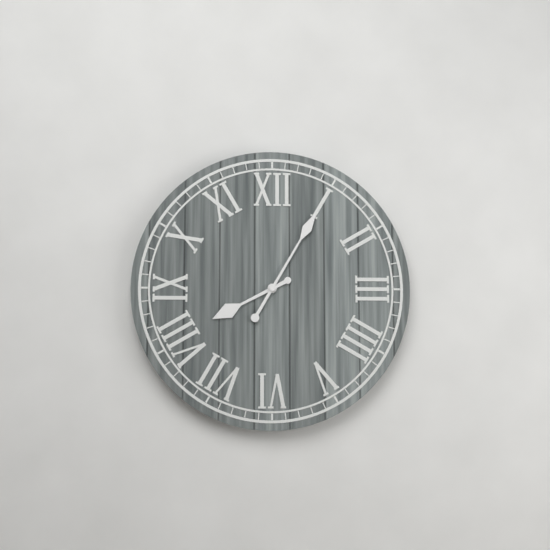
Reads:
8,05
